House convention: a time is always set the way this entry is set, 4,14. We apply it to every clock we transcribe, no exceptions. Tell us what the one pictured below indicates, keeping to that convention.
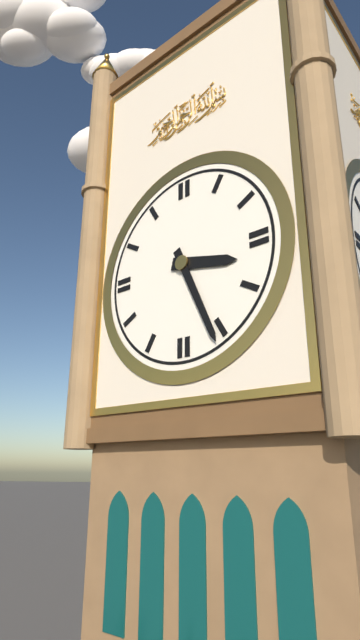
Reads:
3,26
